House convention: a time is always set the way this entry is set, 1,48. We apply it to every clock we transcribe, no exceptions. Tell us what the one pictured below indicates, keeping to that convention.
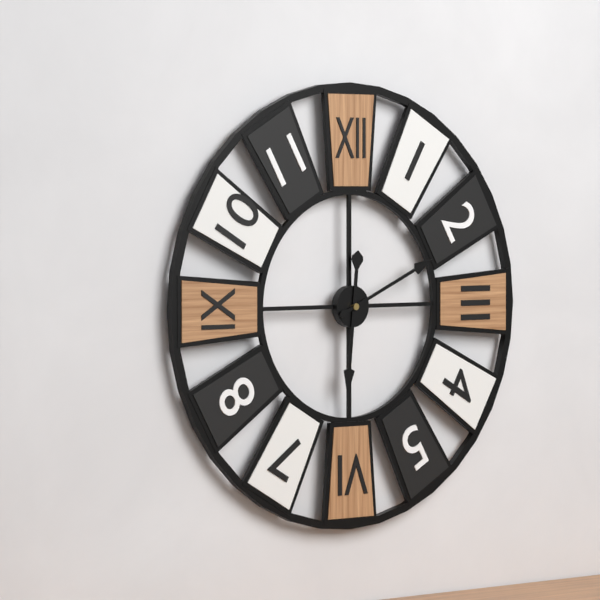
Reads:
6,11
